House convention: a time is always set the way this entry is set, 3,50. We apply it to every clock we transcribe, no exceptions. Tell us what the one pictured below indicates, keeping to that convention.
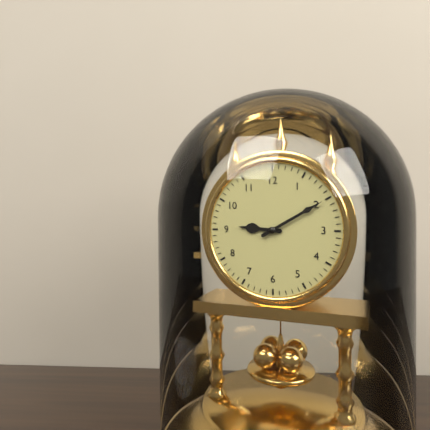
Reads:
9,10
